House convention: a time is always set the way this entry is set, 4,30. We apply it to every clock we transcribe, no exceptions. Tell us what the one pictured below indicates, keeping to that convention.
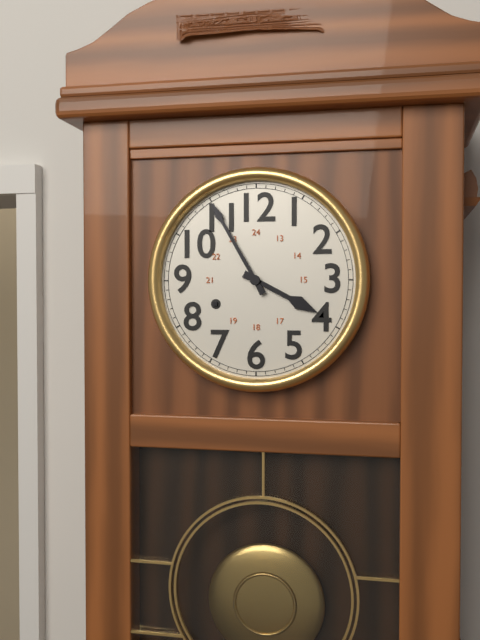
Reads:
3,55
